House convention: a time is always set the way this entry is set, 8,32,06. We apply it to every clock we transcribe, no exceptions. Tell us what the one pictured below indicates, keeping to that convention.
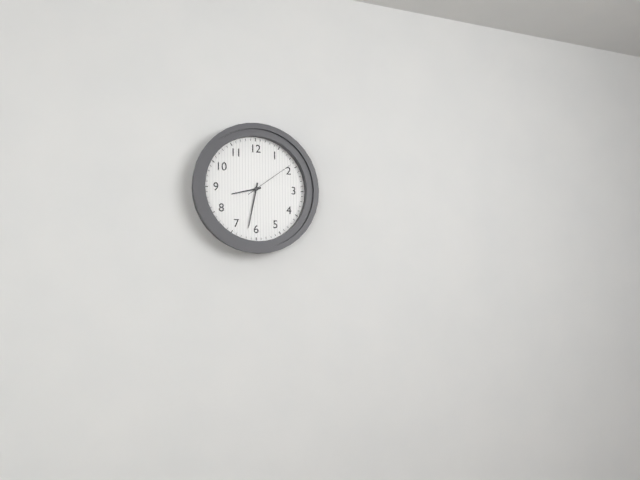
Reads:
8,32,09
